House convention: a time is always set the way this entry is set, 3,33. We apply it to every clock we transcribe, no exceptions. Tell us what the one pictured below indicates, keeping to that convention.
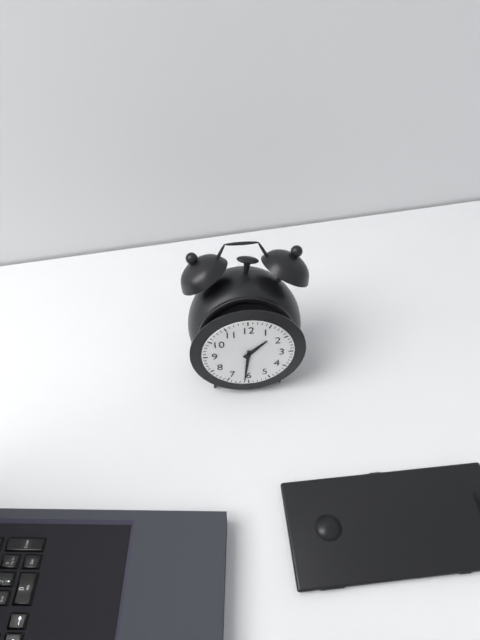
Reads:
1,31
